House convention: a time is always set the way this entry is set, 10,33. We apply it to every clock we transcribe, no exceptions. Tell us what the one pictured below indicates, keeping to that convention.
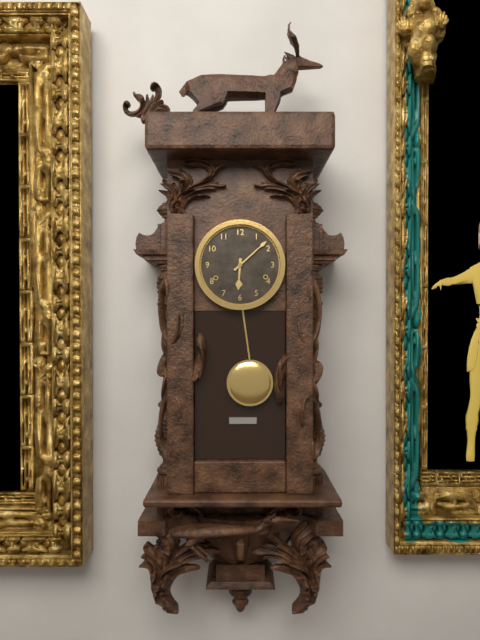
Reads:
6,08
